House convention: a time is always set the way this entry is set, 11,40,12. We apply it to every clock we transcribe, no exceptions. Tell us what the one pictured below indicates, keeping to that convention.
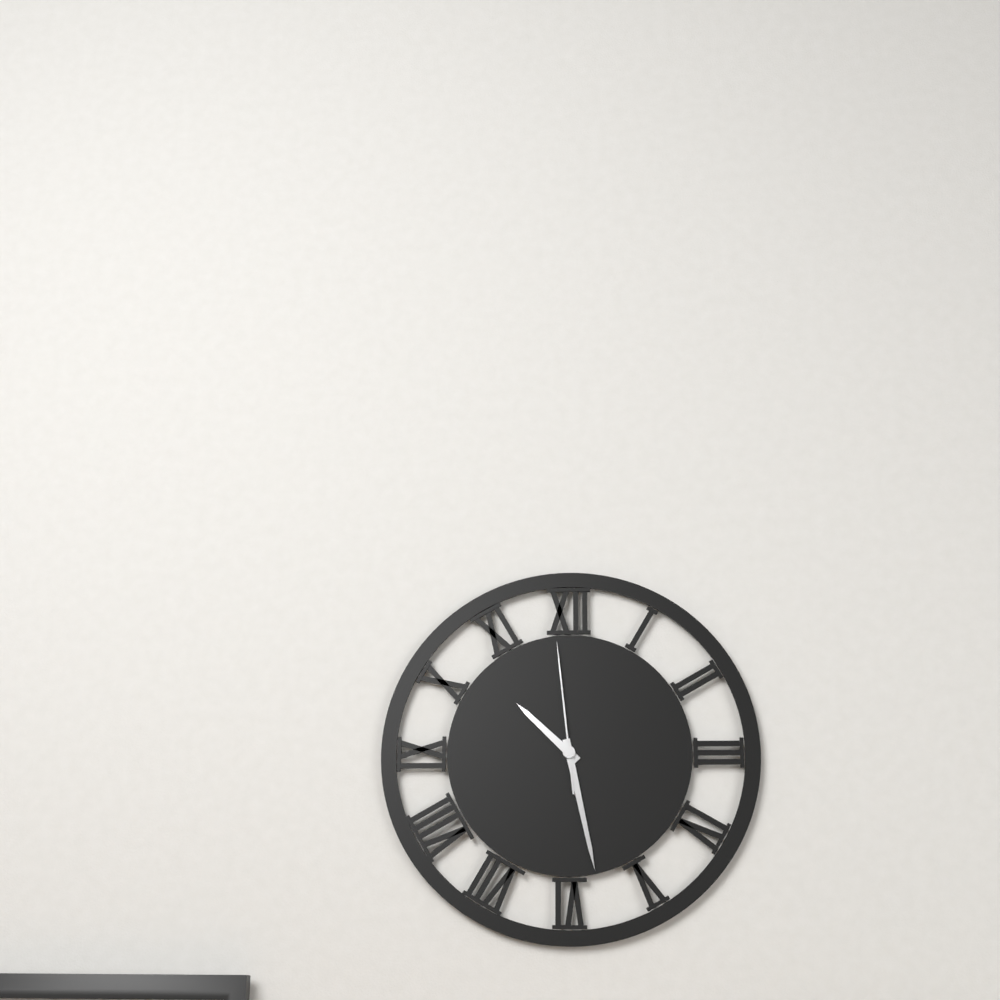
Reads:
10,28,59
